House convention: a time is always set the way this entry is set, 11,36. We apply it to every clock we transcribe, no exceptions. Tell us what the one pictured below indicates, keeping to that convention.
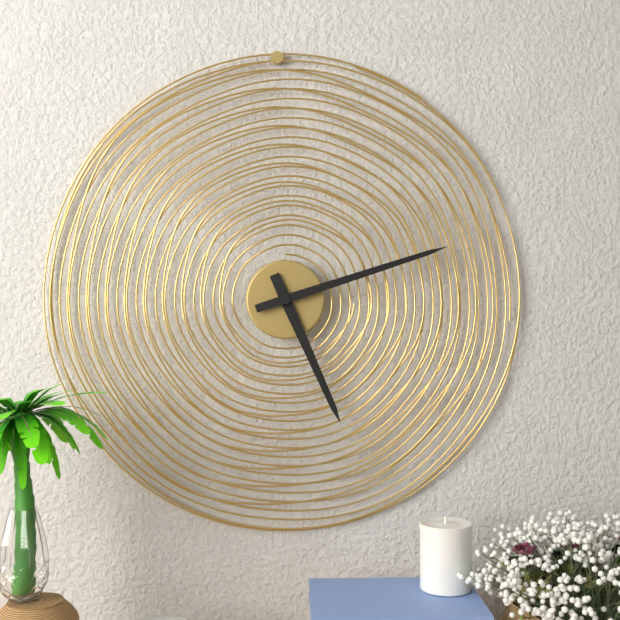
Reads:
5,12
